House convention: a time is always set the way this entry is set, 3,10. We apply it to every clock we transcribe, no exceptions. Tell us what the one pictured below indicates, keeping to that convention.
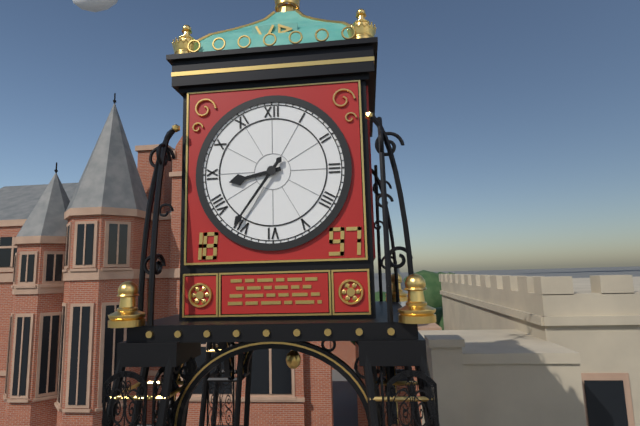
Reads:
8,36
